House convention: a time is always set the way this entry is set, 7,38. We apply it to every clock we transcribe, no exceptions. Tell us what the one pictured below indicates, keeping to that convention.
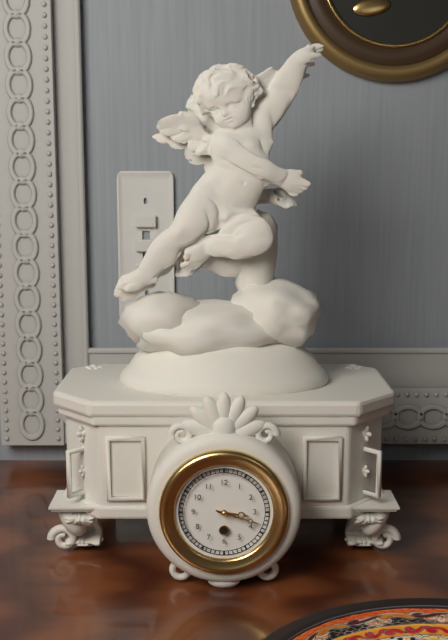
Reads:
3,18
